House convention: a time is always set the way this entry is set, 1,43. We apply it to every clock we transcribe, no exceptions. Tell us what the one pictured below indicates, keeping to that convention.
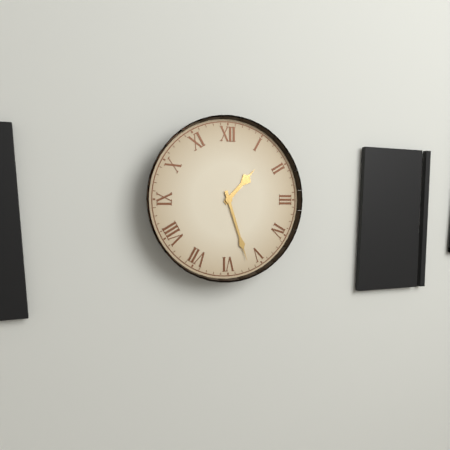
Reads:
1,27
